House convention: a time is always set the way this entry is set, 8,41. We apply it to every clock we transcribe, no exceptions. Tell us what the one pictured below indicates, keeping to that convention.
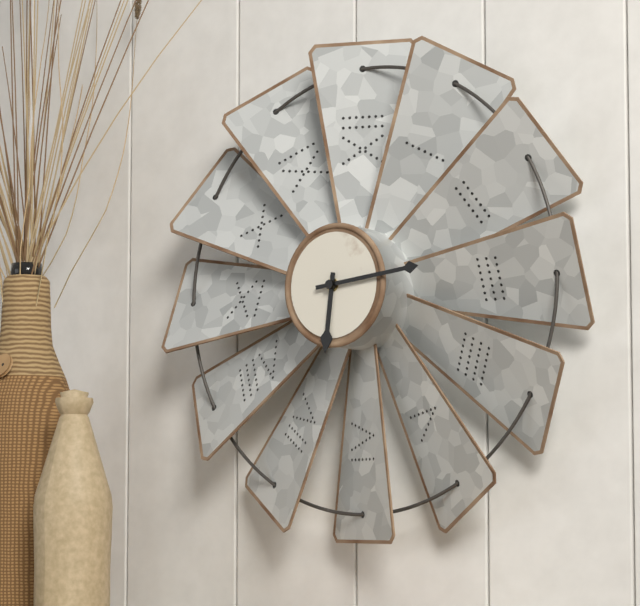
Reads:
6,14
